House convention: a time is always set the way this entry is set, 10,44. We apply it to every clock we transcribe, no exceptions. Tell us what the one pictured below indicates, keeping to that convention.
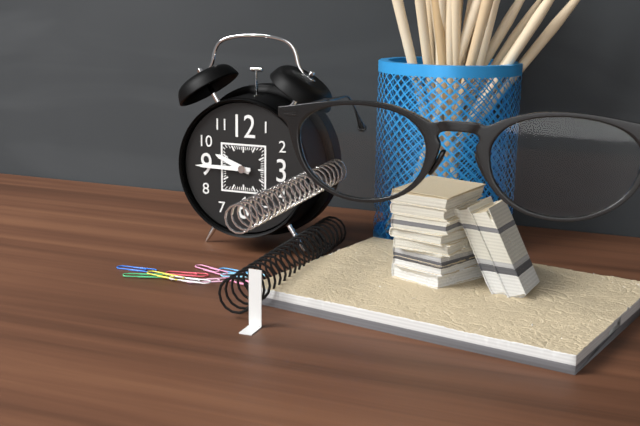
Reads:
9,45
